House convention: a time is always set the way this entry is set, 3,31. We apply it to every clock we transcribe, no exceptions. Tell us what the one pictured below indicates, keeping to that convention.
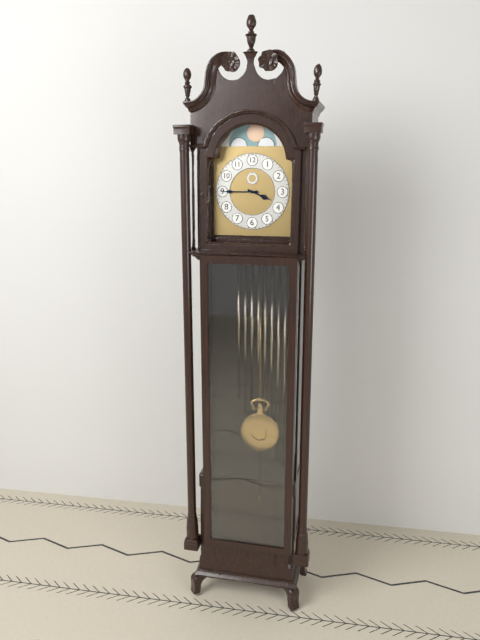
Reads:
3,45
